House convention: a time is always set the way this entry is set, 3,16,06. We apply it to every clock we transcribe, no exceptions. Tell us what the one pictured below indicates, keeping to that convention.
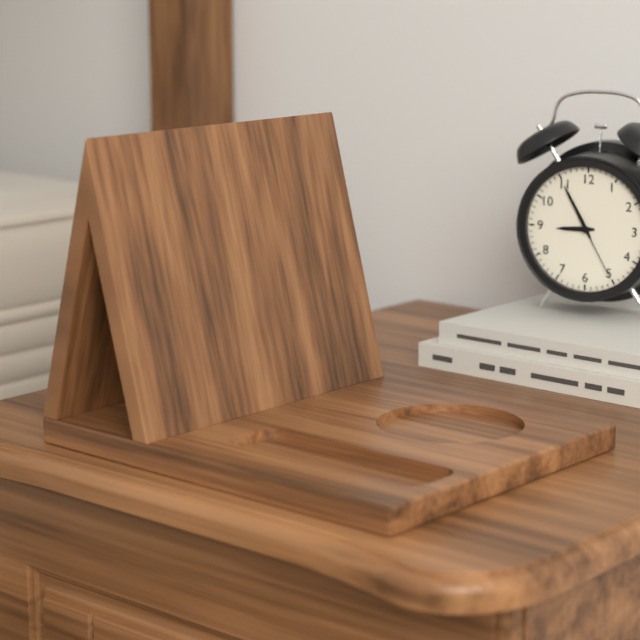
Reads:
8,55,25
